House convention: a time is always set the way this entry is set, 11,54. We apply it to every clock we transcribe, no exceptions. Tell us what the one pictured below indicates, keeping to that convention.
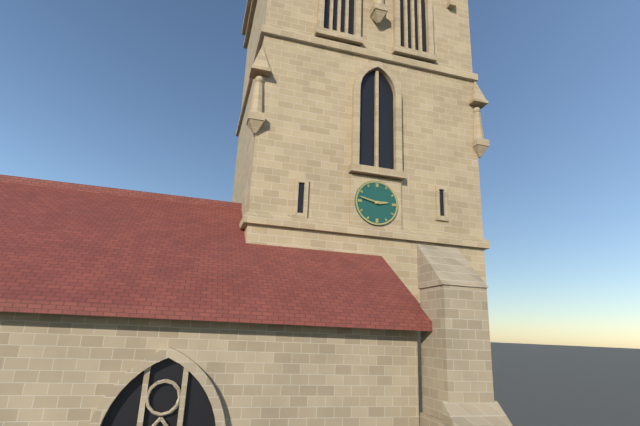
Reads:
2,47
